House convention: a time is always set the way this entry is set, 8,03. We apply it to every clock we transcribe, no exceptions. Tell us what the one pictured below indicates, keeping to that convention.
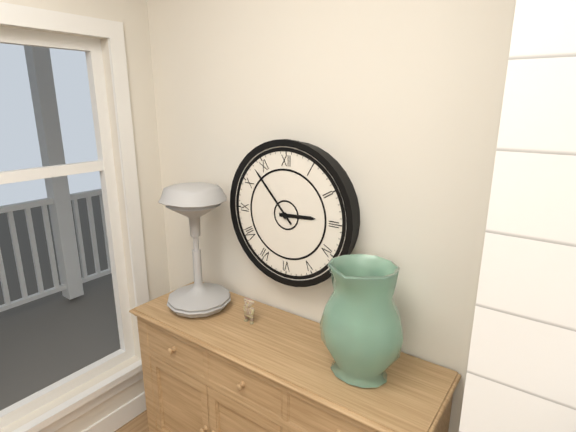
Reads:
2,53
